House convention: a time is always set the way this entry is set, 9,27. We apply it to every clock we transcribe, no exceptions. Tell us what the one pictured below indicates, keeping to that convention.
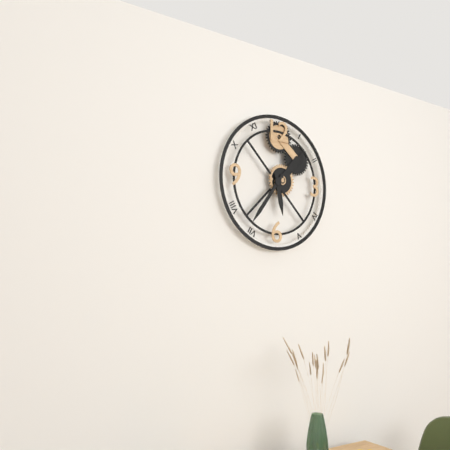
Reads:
5,36
